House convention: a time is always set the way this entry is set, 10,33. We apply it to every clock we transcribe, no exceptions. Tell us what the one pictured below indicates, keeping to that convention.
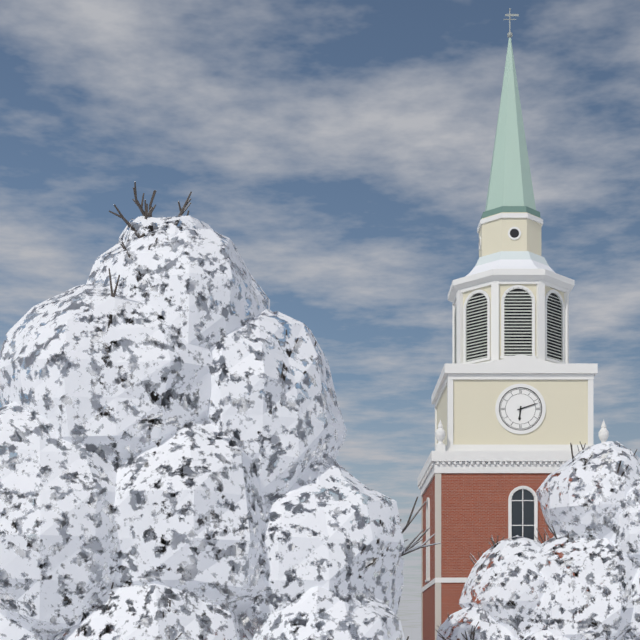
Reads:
6,12
